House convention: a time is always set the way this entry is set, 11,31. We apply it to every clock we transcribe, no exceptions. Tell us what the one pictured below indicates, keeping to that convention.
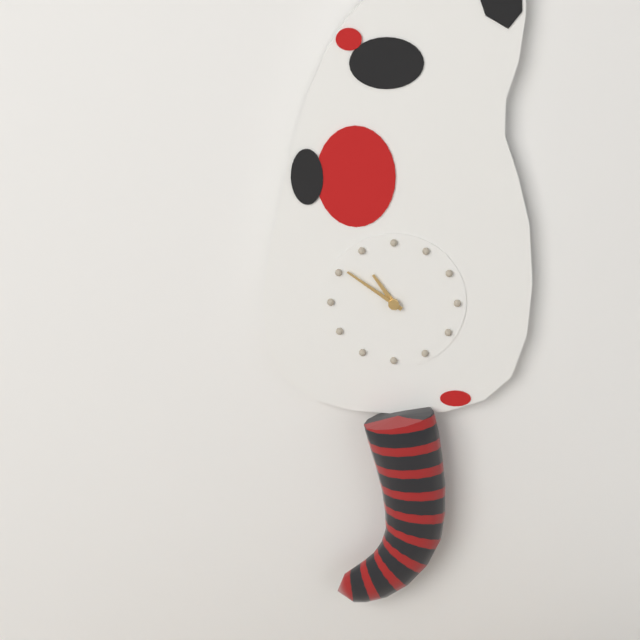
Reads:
10,51
